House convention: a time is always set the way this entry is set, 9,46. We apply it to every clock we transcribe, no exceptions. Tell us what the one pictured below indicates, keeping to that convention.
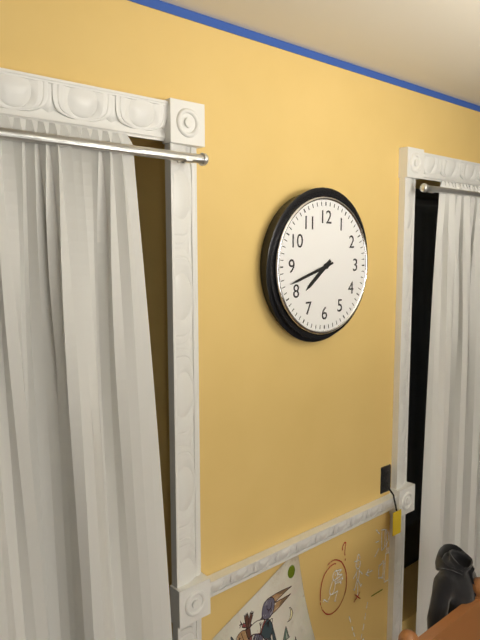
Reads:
7,42
